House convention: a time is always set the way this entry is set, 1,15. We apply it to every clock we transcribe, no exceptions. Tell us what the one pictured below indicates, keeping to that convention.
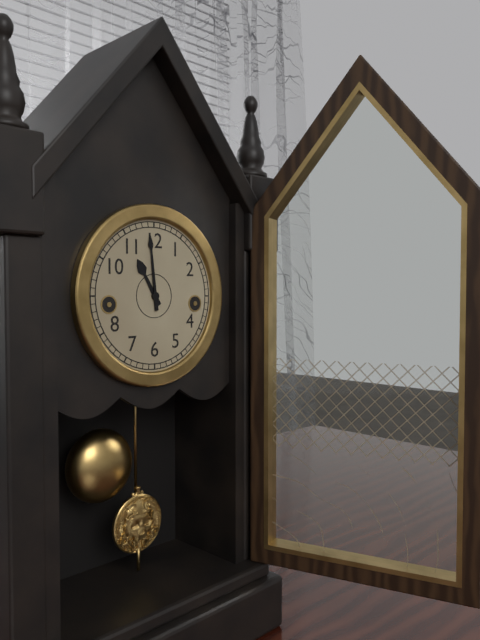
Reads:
10,59
